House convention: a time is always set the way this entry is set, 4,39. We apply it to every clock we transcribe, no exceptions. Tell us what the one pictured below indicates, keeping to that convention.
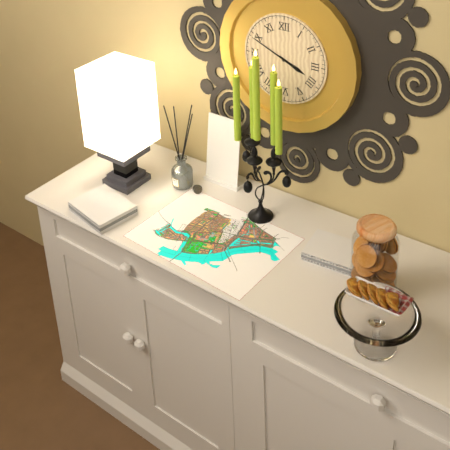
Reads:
3,49
